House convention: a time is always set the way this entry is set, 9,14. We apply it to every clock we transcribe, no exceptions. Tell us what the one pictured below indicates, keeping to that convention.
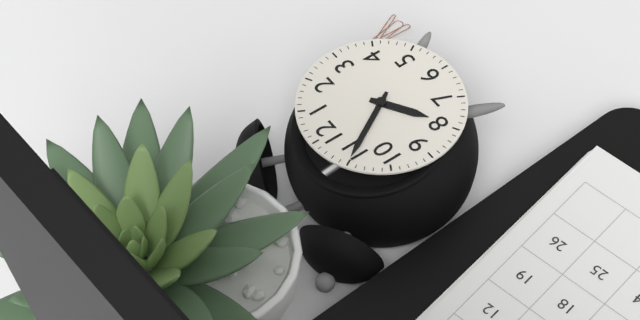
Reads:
7,55
